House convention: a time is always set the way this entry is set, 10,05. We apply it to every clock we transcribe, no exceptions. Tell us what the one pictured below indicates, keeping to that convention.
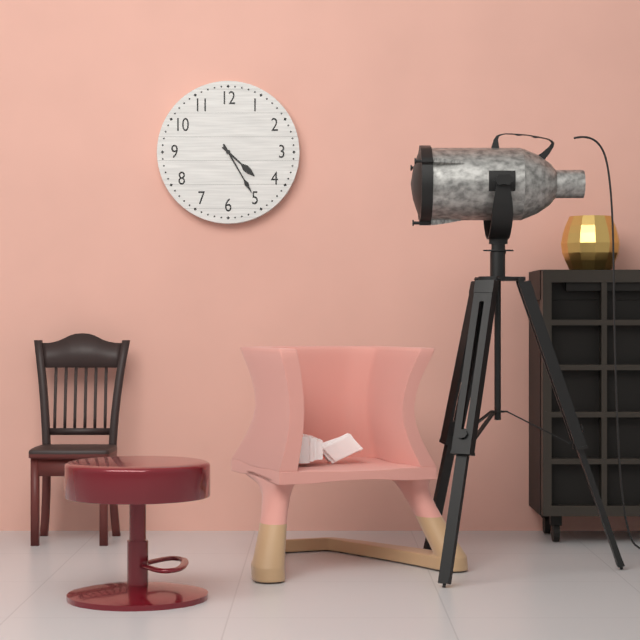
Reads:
4,25
